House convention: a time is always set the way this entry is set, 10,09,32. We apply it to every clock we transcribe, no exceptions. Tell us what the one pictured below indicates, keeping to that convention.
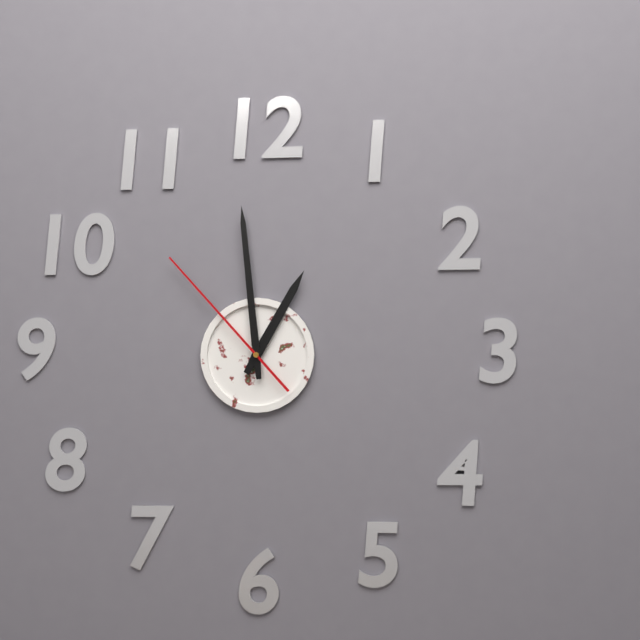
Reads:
12,59,53
